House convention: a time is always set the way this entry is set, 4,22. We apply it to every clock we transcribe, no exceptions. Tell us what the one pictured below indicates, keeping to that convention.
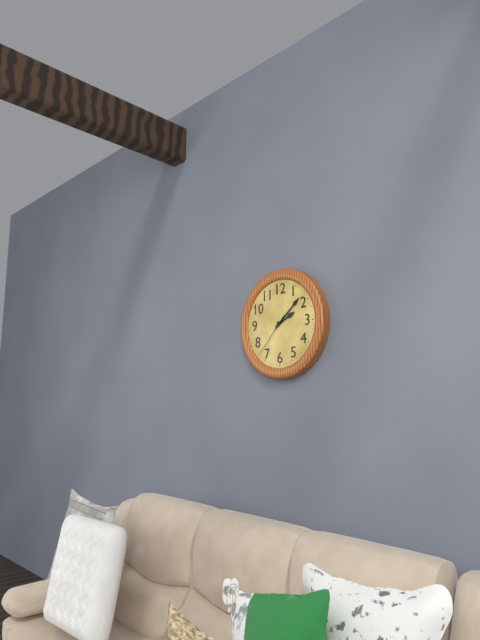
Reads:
2,08
